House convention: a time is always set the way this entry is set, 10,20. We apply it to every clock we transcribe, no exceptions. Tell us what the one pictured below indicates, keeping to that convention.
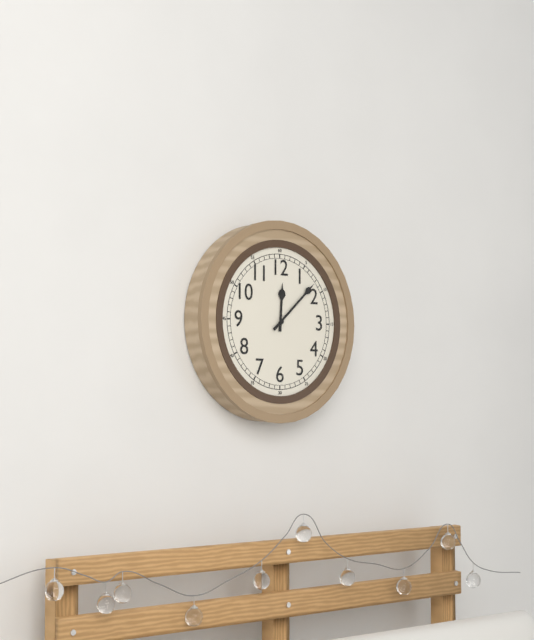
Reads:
12,08
